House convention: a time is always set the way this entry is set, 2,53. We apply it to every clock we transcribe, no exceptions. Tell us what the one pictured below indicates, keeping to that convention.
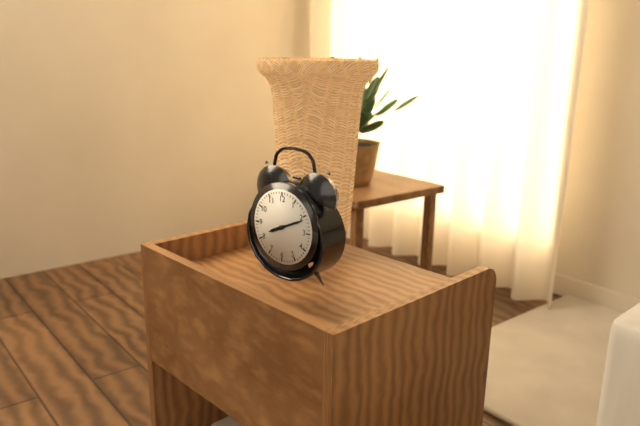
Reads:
8,11
